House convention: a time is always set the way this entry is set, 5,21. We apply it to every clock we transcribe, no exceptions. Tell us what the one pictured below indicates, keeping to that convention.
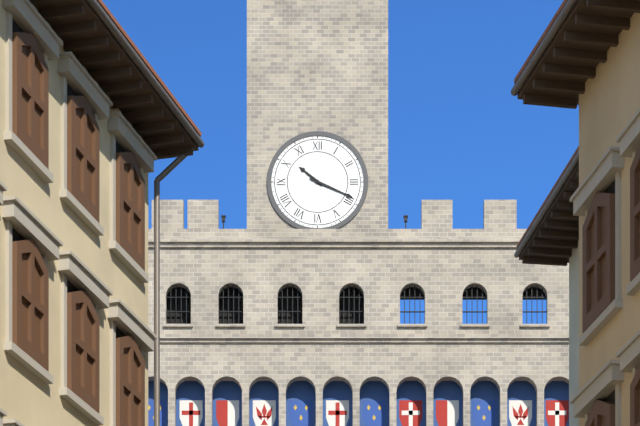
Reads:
10,19
